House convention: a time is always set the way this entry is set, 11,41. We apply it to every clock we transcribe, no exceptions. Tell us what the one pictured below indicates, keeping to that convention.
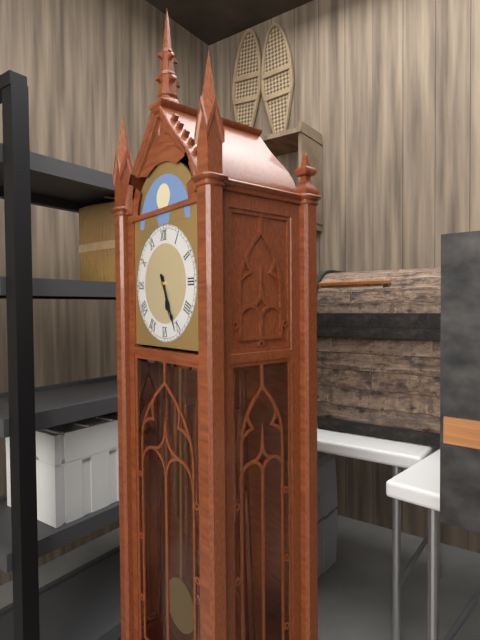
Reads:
5,26
